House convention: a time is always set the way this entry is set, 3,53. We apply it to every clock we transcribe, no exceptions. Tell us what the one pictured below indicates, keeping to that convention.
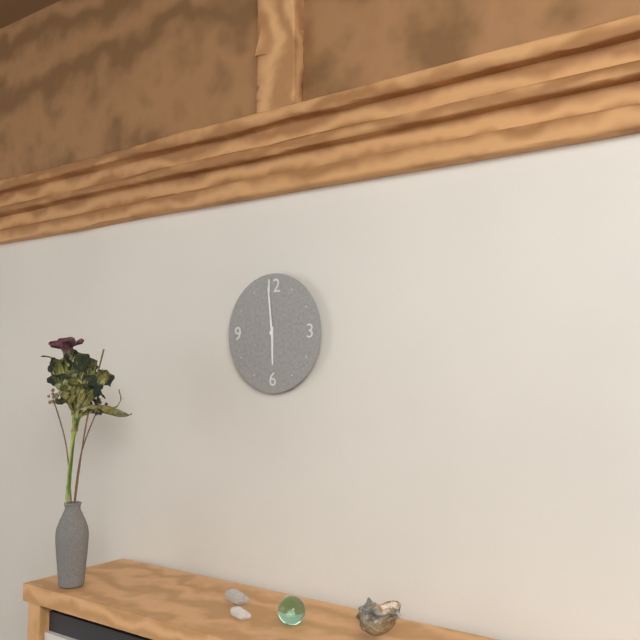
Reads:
5,59
